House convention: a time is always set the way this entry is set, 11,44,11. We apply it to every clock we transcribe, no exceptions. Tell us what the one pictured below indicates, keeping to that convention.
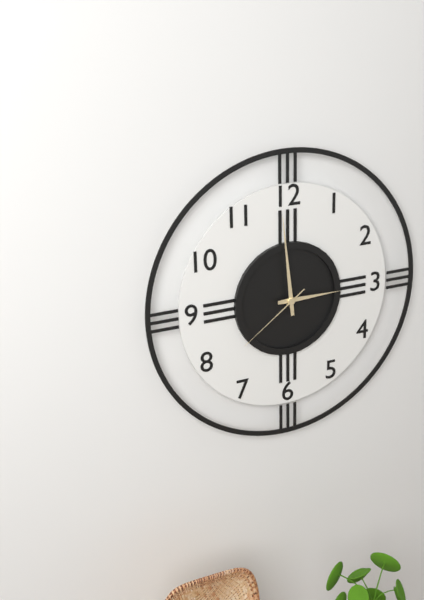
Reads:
2,59,39
